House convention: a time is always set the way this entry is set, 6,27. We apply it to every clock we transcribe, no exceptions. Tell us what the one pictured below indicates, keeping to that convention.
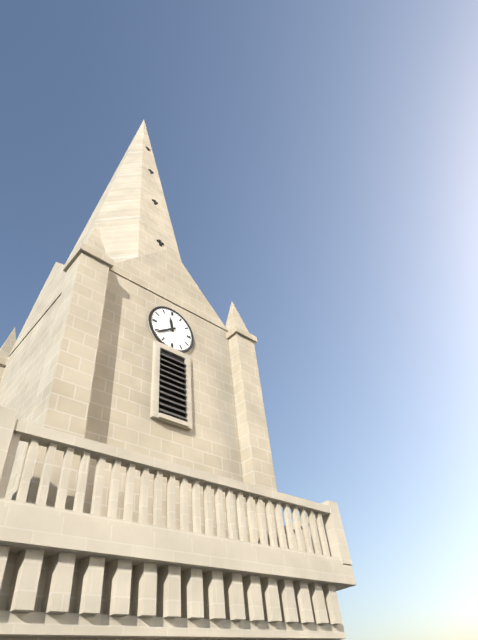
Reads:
11,39
